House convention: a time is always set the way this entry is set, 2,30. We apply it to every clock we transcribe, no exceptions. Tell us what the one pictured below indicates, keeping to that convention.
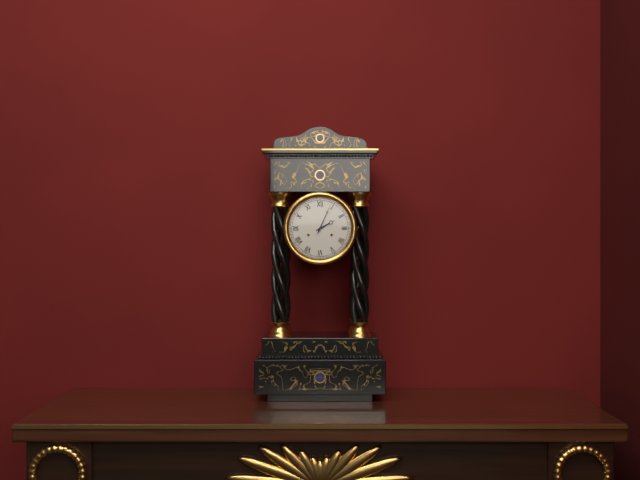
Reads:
2,04
